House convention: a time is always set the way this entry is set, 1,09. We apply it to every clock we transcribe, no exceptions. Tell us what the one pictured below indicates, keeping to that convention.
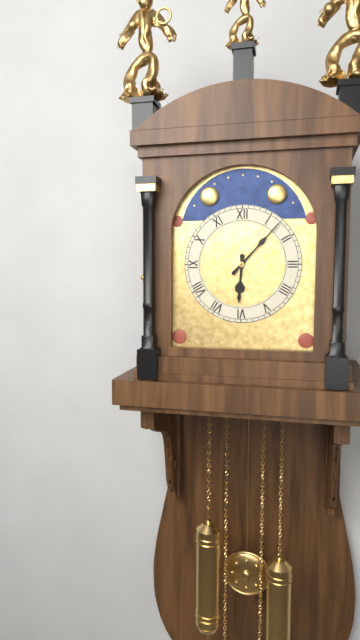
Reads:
6,07
